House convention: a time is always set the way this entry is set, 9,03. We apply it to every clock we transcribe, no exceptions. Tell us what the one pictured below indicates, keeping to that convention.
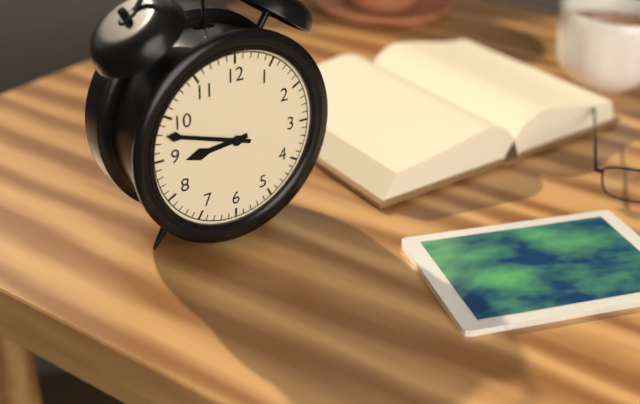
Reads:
8,48
